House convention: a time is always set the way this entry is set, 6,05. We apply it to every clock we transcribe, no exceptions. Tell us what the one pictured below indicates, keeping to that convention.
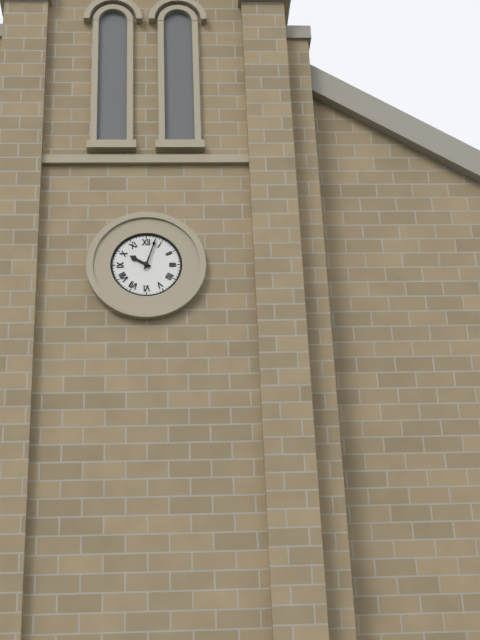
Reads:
10,03
